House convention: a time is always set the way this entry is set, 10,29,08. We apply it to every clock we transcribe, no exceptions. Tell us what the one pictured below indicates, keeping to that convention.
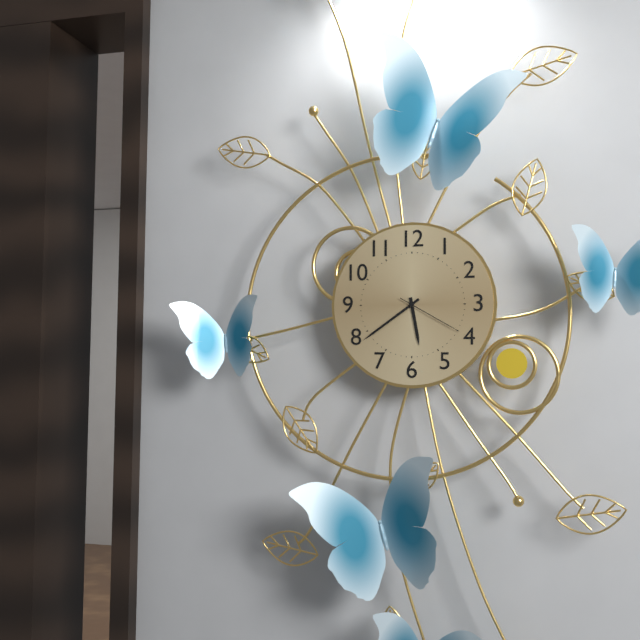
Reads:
5,39,20
